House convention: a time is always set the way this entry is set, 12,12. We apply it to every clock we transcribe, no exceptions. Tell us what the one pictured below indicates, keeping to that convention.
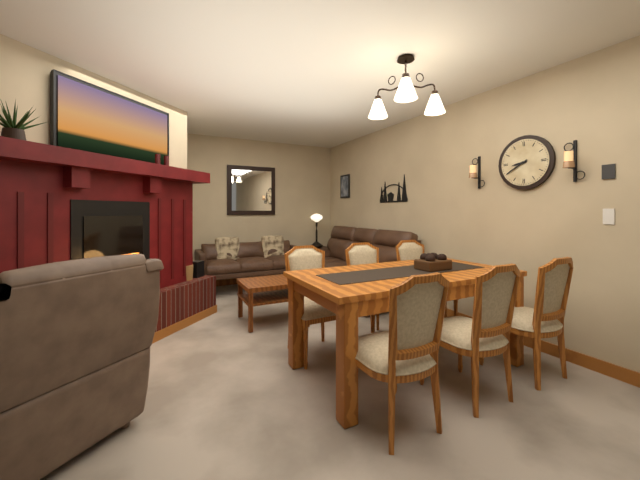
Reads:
8,40
